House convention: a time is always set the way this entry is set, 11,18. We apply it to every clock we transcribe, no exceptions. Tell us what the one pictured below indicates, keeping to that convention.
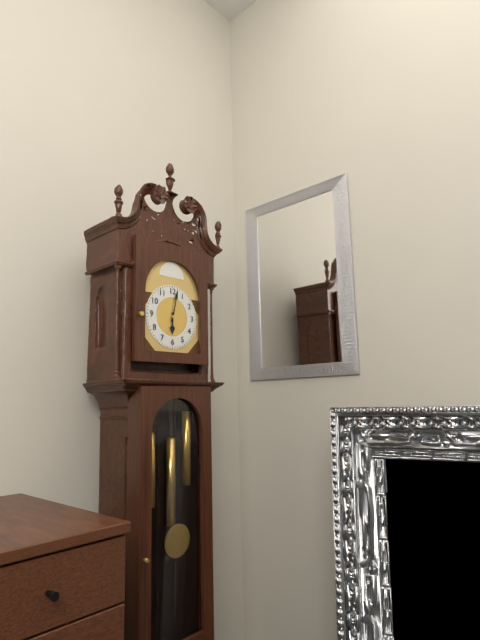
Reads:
6,02
